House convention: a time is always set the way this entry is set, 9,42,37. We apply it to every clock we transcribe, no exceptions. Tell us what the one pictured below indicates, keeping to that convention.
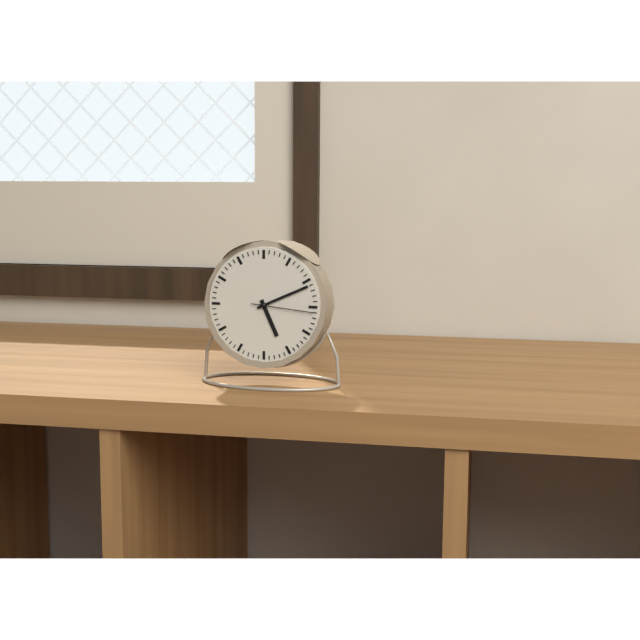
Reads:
5,11,16
